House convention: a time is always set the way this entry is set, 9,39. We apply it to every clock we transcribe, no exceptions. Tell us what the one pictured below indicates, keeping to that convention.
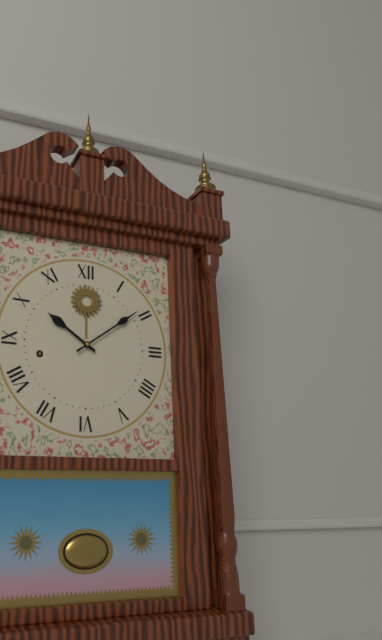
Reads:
10,09
